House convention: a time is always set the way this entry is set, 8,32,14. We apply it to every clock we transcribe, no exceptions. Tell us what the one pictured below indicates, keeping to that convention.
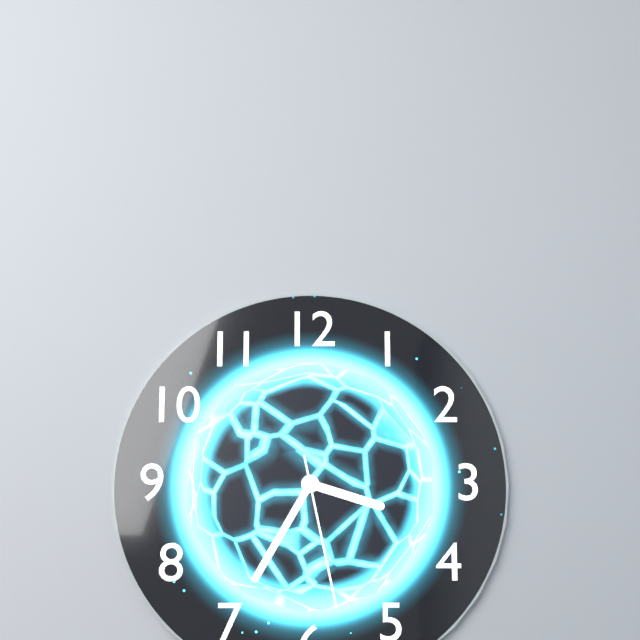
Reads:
3,35,28
